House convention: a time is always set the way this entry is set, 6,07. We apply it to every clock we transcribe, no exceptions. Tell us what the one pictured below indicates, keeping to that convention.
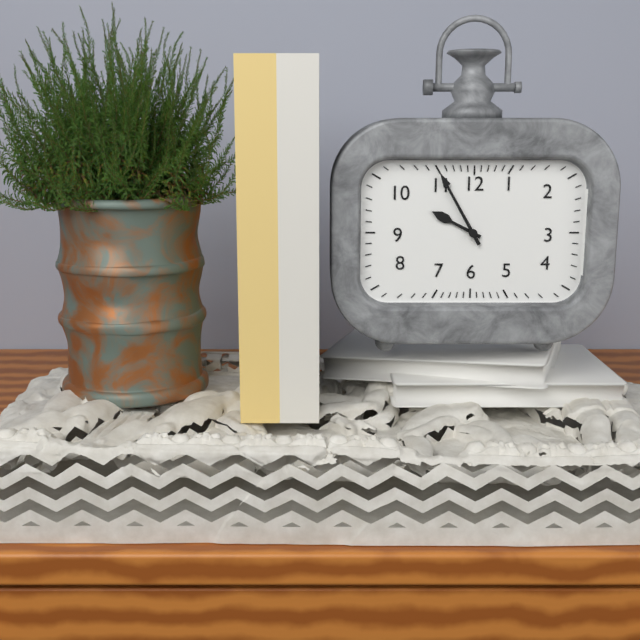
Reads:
9,55
